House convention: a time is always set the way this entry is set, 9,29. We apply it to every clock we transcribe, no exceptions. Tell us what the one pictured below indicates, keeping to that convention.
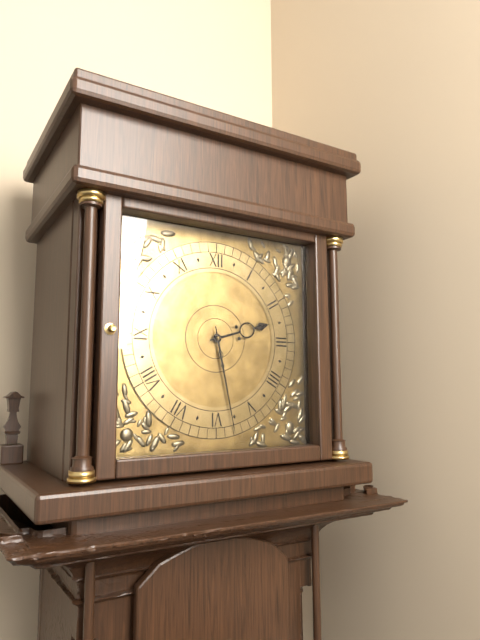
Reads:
2,28
